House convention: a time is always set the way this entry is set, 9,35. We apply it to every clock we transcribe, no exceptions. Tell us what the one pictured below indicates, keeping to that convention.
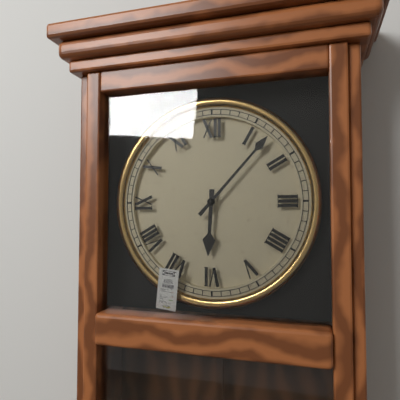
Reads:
6,07
